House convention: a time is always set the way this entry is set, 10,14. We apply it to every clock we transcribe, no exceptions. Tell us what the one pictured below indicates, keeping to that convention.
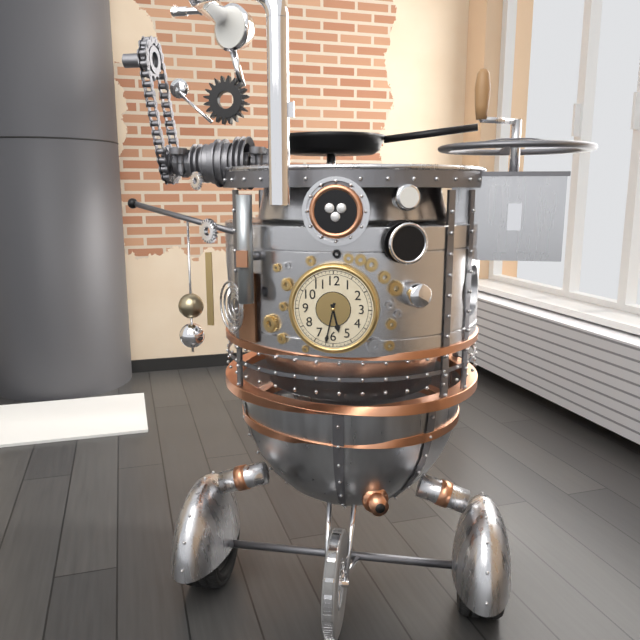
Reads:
5,32
